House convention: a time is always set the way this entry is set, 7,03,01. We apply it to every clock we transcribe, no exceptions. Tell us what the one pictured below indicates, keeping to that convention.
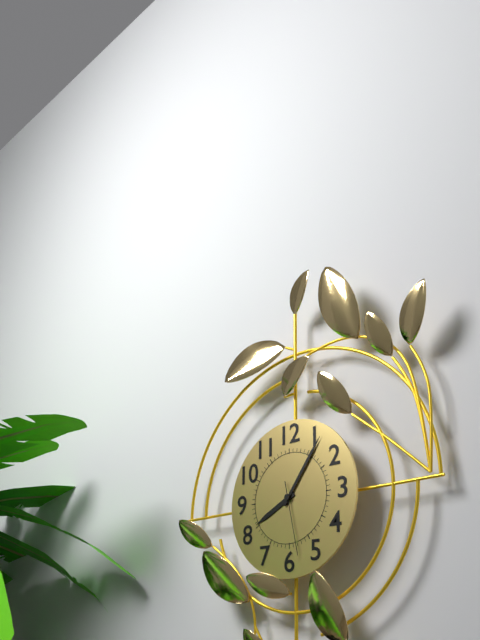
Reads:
8,06,28
